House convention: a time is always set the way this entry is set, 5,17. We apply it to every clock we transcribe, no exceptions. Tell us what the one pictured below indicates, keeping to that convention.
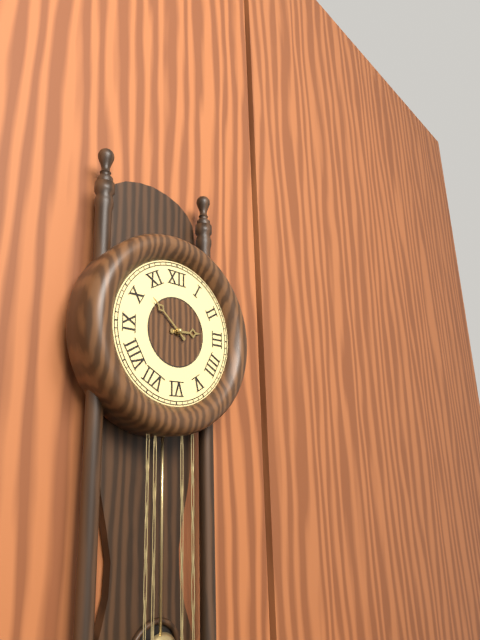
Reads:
2,52
